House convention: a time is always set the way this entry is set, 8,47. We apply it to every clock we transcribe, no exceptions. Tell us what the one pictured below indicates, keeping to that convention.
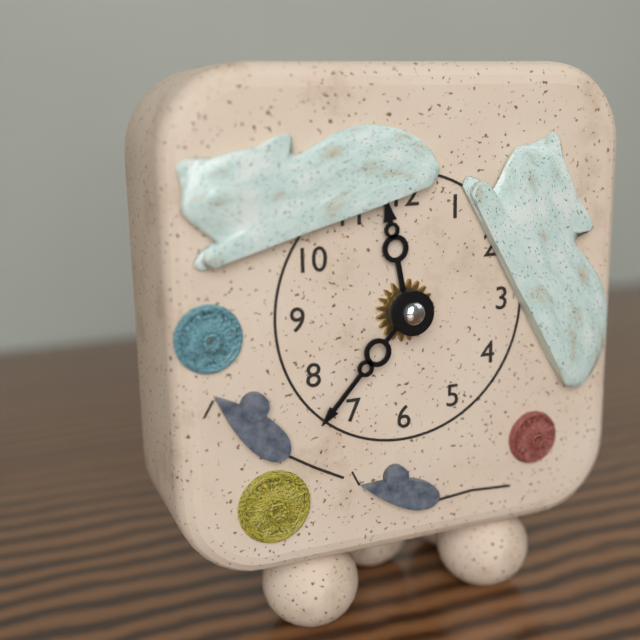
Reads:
11,37
